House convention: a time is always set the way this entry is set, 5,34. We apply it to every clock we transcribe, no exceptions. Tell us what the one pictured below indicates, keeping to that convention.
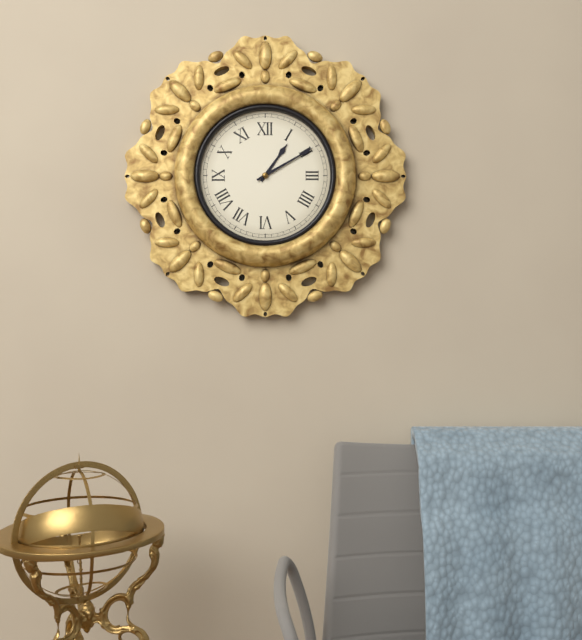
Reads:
1,10
